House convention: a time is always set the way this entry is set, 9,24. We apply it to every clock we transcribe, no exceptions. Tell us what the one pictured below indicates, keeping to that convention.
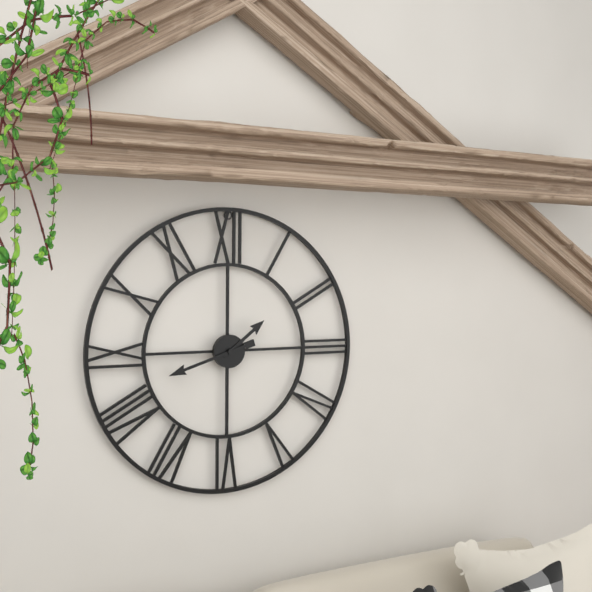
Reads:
1,42
